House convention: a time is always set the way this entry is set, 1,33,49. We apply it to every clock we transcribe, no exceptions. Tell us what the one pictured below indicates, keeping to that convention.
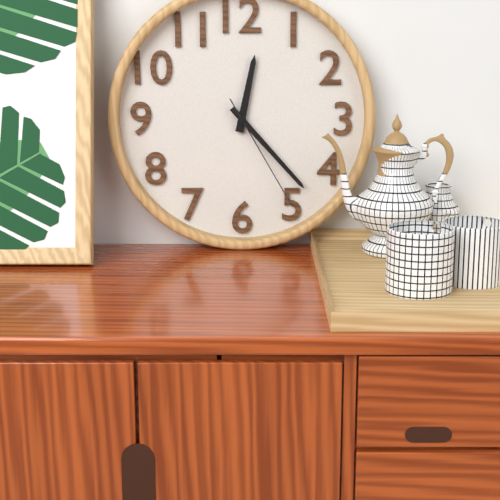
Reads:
12,23,25
